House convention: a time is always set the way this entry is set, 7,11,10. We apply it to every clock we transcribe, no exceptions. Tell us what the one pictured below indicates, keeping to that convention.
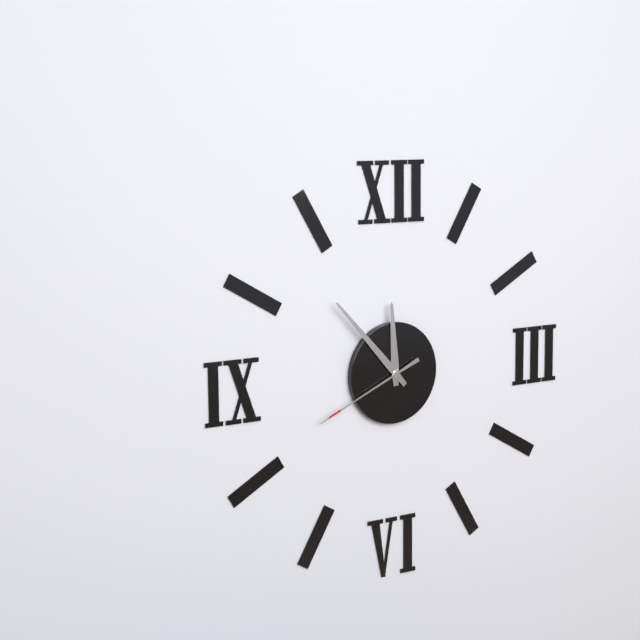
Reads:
11,53,41
